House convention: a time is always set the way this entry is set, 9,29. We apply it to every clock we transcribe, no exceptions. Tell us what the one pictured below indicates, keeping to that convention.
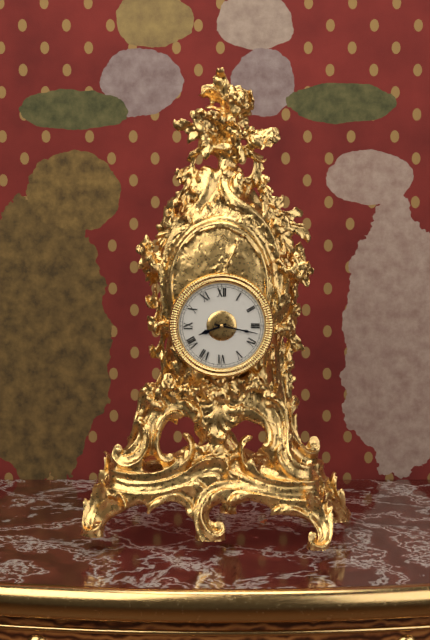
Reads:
8,17
